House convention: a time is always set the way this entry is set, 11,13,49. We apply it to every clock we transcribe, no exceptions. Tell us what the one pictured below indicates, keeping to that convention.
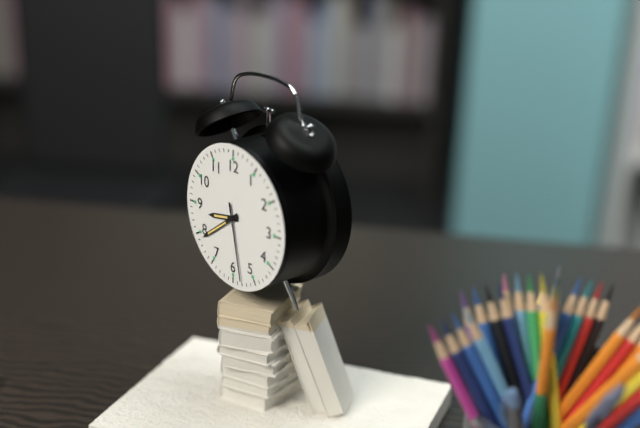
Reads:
8,39,28
